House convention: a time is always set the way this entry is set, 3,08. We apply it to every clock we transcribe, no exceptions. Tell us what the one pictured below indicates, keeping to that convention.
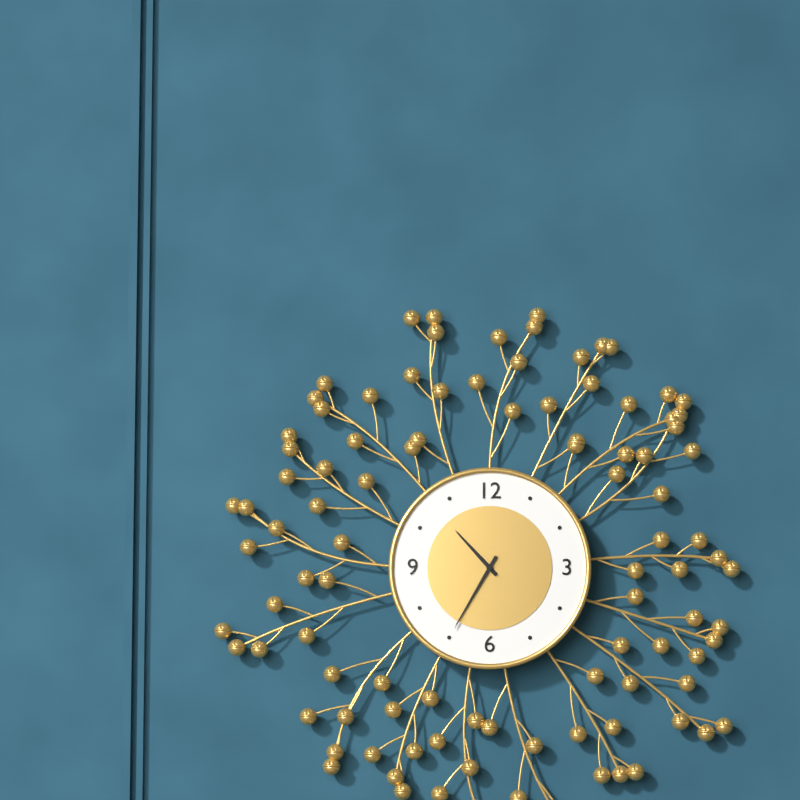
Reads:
10,35
